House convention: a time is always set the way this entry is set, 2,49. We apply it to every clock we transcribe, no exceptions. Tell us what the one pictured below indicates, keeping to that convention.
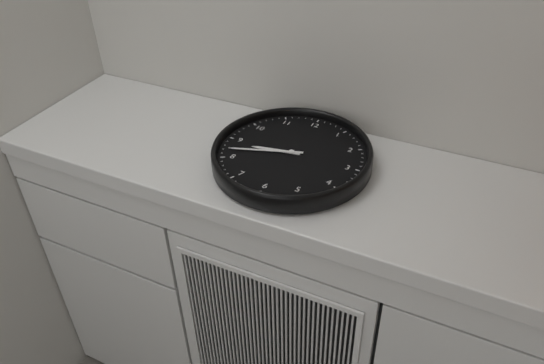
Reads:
8,42
